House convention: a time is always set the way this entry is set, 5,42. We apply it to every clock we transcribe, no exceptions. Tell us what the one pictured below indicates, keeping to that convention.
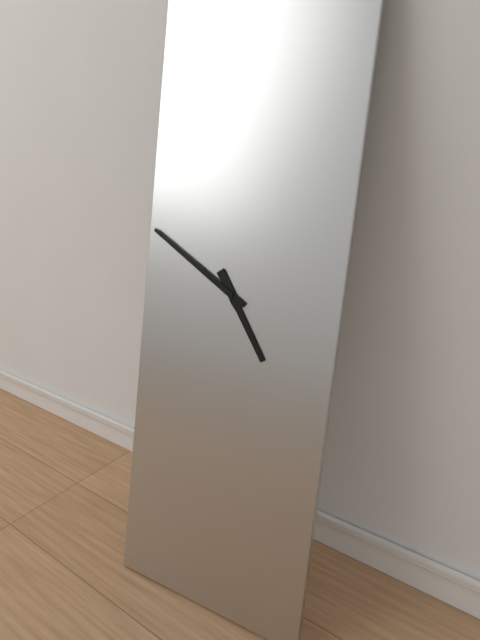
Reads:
4,50
